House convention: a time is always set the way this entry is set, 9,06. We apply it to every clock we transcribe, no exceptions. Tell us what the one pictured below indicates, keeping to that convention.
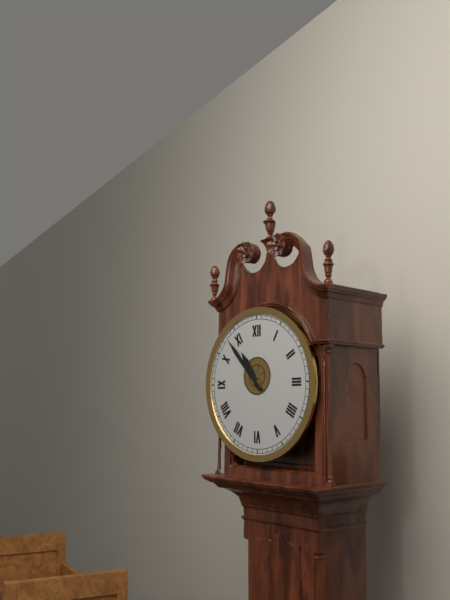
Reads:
10,53
